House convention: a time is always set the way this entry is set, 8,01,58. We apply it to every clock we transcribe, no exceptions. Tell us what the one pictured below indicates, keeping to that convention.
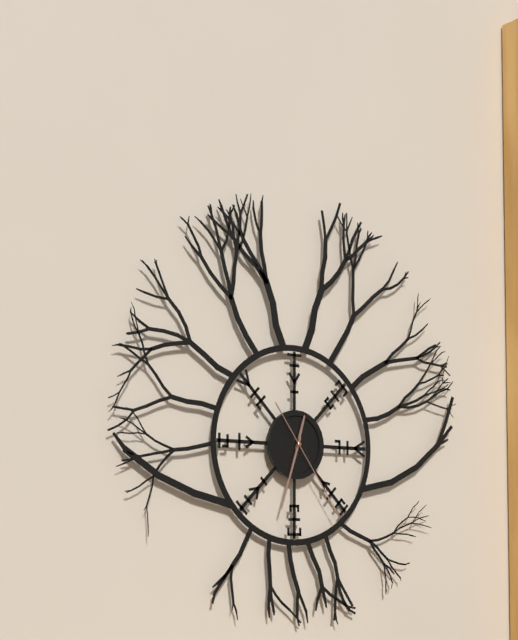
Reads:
12,33,24
